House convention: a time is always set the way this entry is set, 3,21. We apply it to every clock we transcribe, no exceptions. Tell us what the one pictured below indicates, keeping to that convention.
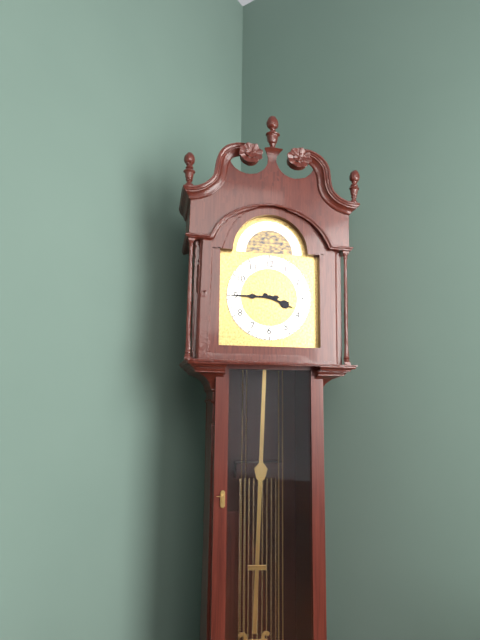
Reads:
3,45
